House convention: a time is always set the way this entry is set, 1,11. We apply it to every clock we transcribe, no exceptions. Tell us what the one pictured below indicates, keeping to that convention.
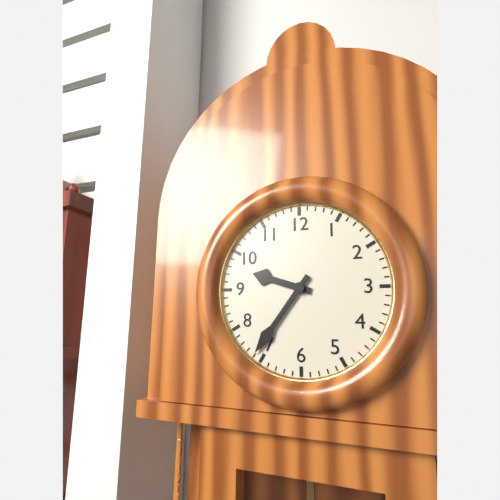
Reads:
9,36
